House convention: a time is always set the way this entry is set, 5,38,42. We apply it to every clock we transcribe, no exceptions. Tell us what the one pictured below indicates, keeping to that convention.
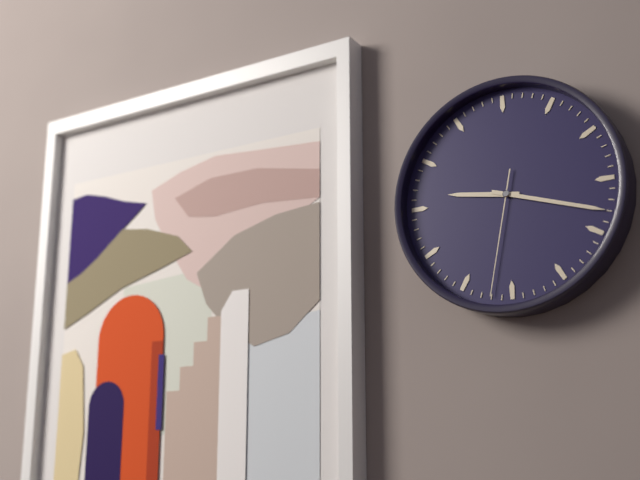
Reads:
9,18,32
